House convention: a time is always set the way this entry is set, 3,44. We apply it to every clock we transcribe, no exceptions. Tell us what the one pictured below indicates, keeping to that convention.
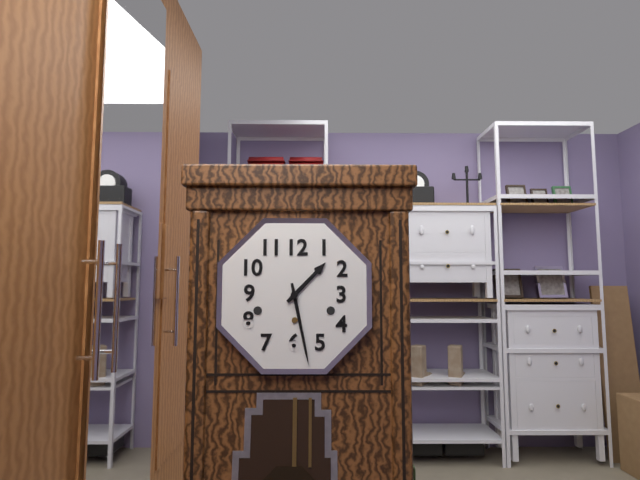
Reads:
1,28
